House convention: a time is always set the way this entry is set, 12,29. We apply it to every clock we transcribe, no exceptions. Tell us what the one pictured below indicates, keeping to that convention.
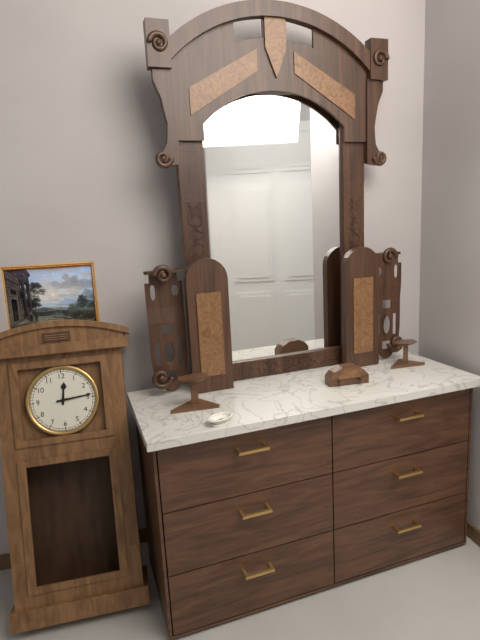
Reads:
12,14
